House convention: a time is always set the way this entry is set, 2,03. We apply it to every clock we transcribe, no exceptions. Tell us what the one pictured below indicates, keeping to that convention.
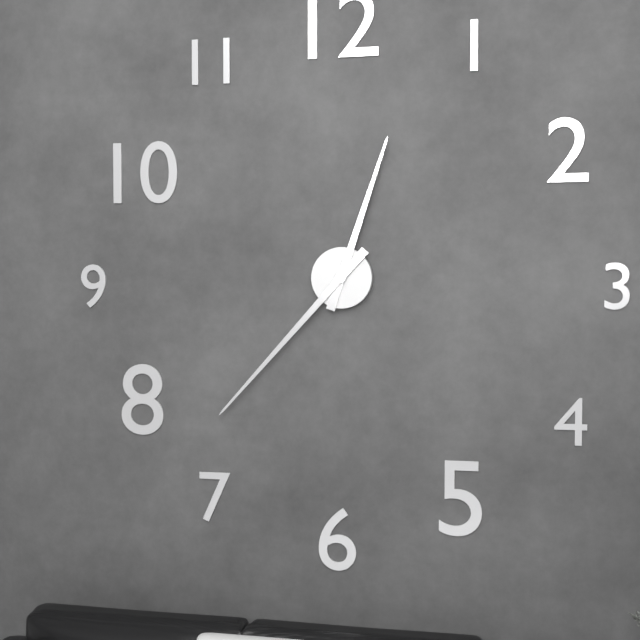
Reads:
12,37
